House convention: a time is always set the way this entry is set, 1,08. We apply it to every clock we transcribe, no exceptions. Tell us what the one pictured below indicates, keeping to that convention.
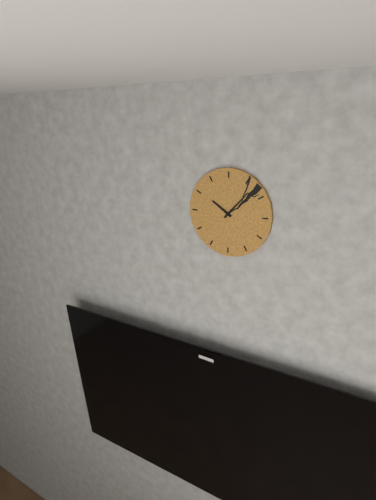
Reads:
10,07
